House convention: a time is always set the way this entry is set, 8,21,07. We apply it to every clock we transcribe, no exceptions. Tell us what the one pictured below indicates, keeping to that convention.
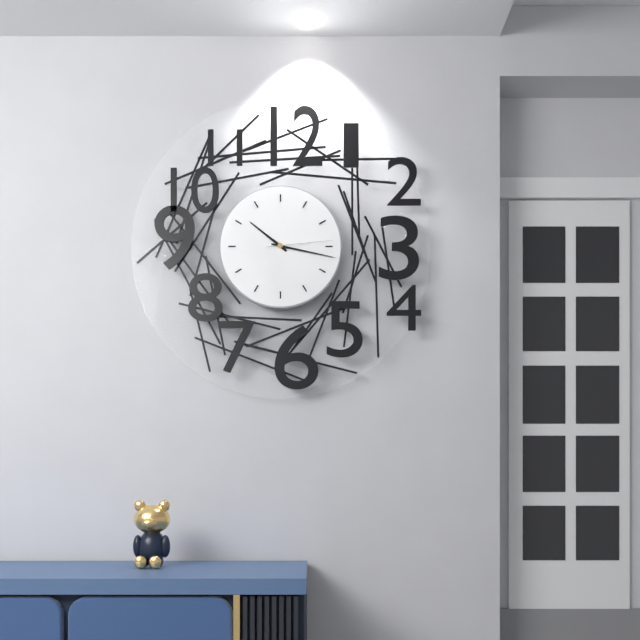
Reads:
10,17,14
